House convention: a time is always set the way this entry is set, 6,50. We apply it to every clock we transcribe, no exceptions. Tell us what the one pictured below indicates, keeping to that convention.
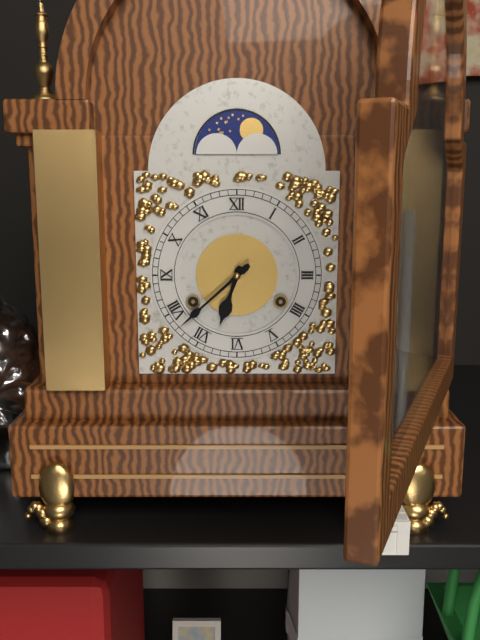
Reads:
6,38
